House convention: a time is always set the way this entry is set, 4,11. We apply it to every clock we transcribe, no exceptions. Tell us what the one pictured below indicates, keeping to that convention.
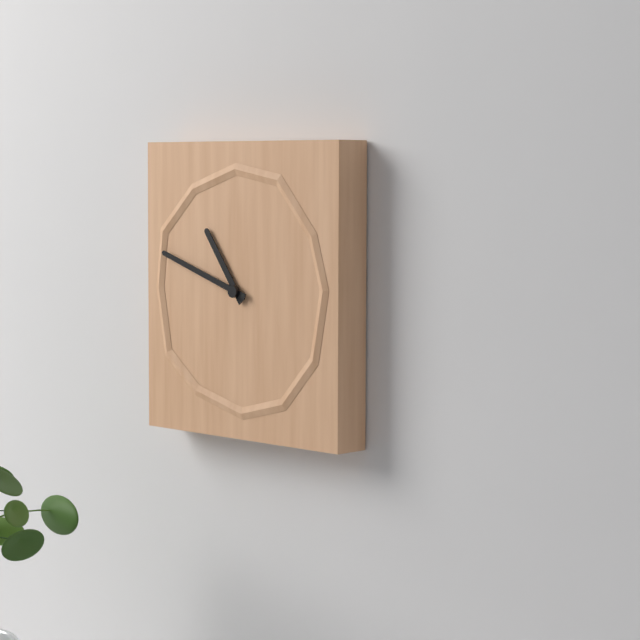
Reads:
10,48
